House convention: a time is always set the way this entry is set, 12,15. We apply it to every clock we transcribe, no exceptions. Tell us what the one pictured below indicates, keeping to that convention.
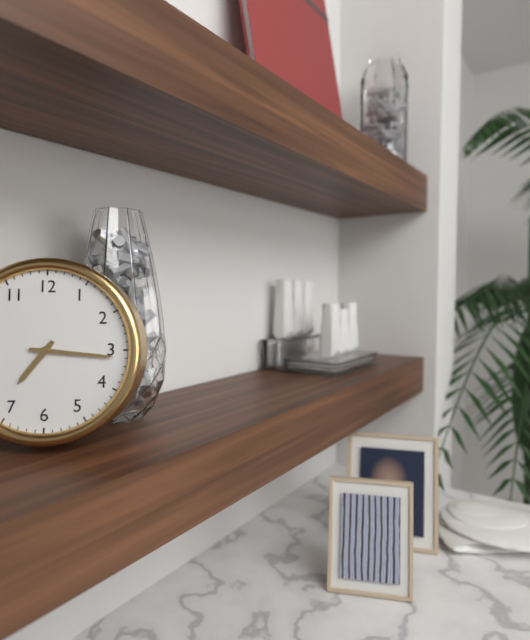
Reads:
7,16
